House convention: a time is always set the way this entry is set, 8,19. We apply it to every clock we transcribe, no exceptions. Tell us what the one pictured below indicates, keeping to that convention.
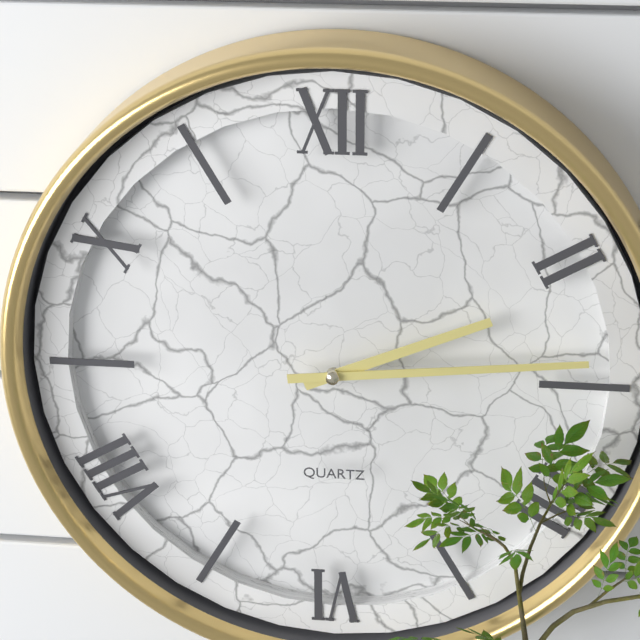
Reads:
2,14
